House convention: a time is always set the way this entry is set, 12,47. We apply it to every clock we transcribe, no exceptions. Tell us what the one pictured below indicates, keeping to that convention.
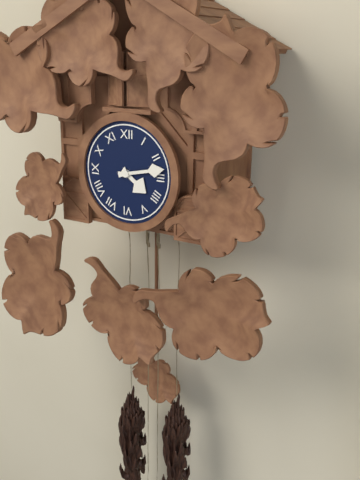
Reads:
4,13
